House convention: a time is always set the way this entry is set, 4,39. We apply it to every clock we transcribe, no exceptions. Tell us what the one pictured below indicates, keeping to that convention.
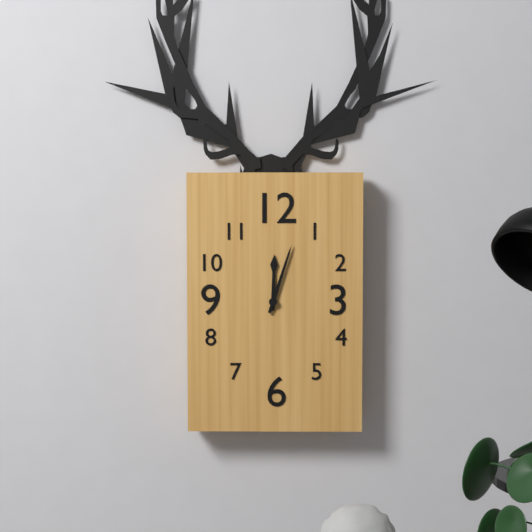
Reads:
12,03
